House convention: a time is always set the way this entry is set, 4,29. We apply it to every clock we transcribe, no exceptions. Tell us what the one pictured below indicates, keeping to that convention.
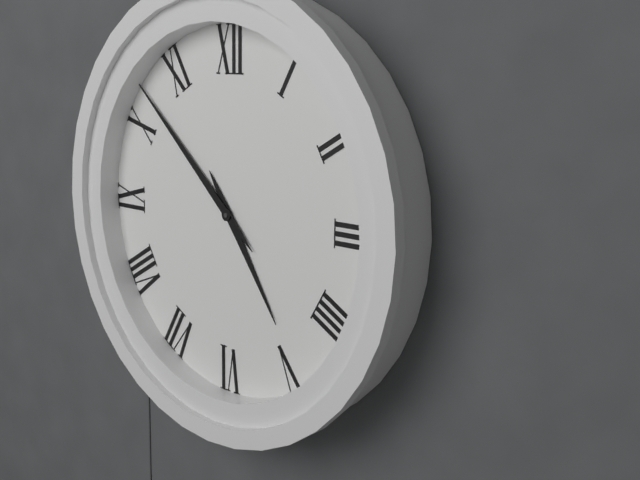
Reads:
4,52
